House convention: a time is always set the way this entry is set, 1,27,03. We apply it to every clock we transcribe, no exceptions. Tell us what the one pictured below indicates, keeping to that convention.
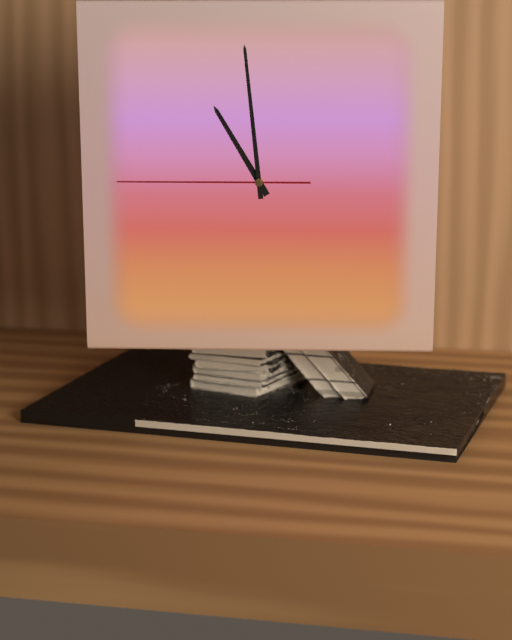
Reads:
10,59,45
